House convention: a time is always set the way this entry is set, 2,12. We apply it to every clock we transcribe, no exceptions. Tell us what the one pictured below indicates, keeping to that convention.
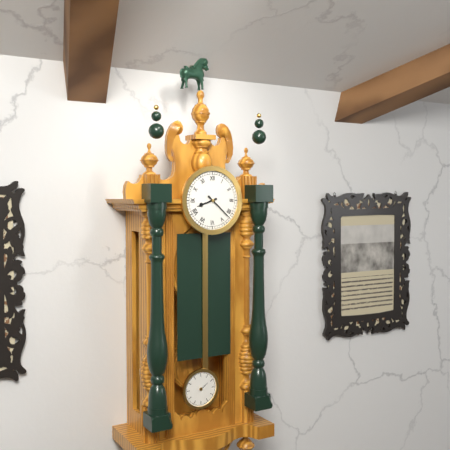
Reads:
8,22
